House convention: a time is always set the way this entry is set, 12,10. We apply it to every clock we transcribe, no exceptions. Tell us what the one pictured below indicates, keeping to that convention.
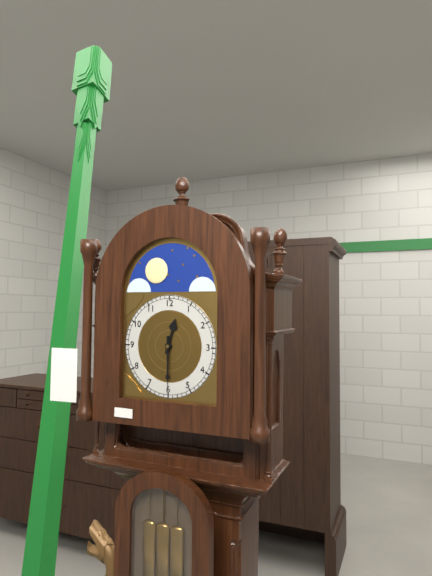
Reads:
12,30
